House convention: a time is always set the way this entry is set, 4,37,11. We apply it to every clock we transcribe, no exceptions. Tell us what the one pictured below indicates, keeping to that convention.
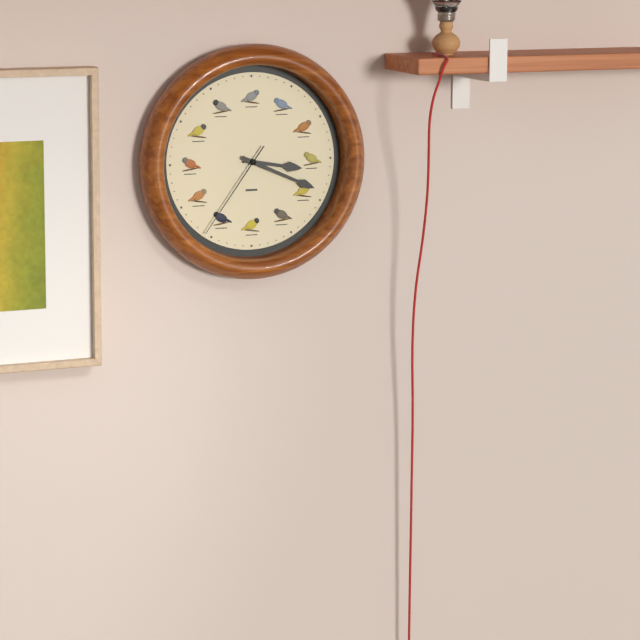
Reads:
3,19,36
